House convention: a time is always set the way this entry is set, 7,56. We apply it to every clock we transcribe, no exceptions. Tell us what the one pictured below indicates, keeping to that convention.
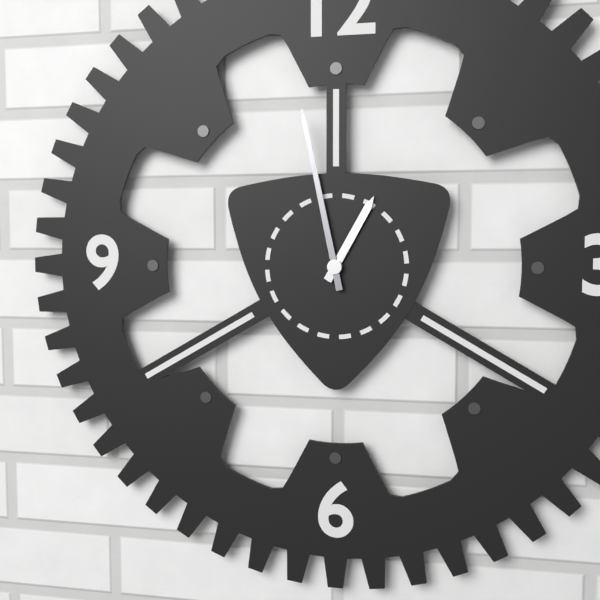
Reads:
12,58
